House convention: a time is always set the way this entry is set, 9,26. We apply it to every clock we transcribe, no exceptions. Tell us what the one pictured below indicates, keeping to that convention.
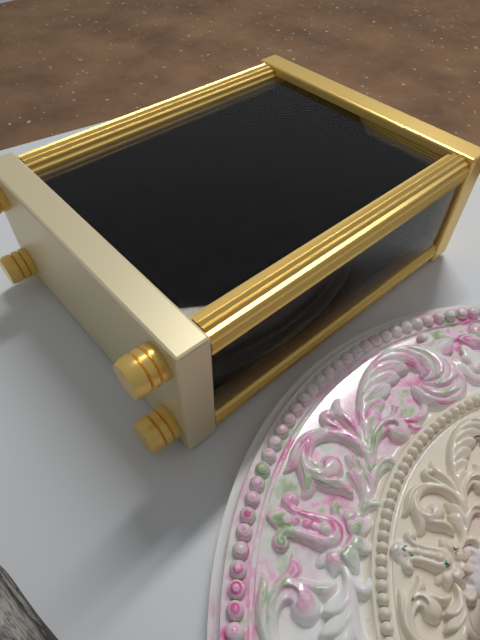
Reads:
3,07
